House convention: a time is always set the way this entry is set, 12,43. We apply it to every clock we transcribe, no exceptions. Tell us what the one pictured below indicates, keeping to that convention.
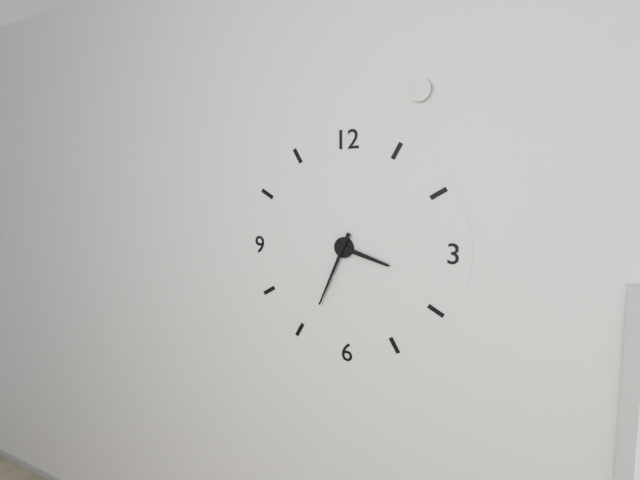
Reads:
3,34
